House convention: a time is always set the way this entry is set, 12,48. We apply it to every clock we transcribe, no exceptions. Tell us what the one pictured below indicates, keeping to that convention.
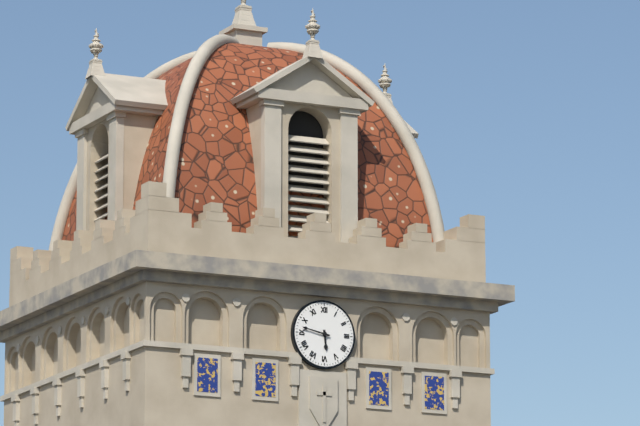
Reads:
5,47
